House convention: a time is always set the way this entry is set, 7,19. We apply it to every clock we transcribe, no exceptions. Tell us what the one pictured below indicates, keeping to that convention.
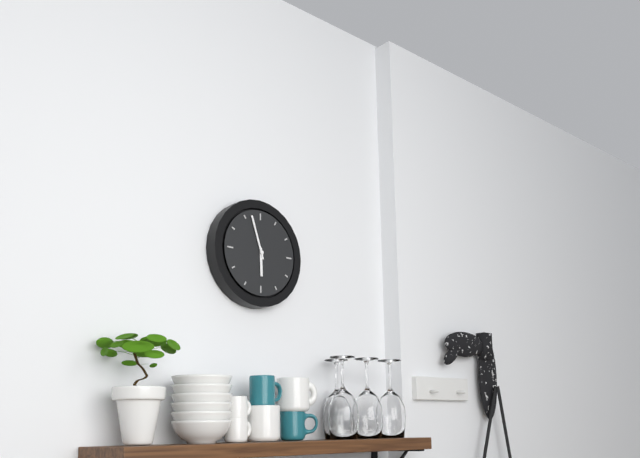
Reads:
5,57
